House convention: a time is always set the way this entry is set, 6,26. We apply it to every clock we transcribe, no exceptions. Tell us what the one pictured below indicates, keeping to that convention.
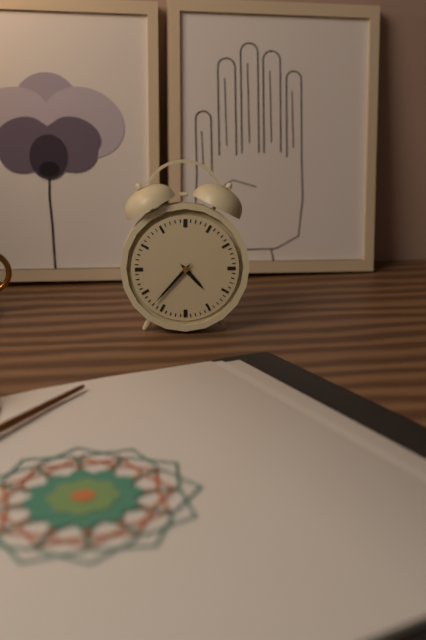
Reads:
4,37
